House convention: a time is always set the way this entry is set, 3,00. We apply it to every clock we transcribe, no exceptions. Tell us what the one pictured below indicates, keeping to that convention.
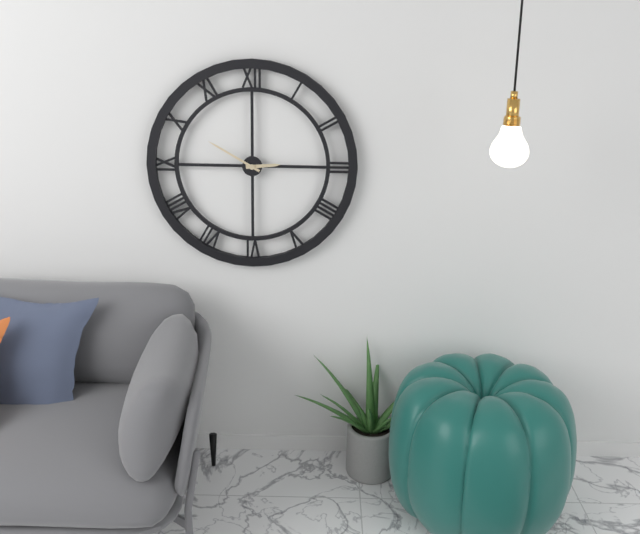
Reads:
2,50
